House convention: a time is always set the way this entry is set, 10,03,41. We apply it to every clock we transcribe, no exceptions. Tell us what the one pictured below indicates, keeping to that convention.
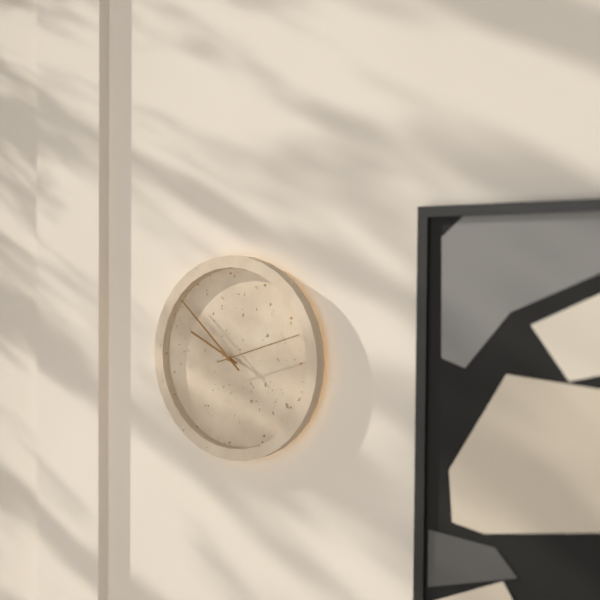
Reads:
9,52,12
